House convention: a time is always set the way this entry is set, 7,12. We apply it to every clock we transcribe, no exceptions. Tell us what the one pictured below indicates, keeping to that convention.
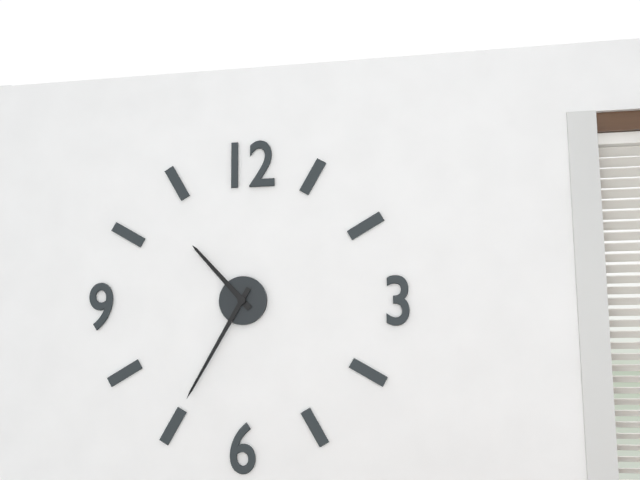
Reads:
10,35
